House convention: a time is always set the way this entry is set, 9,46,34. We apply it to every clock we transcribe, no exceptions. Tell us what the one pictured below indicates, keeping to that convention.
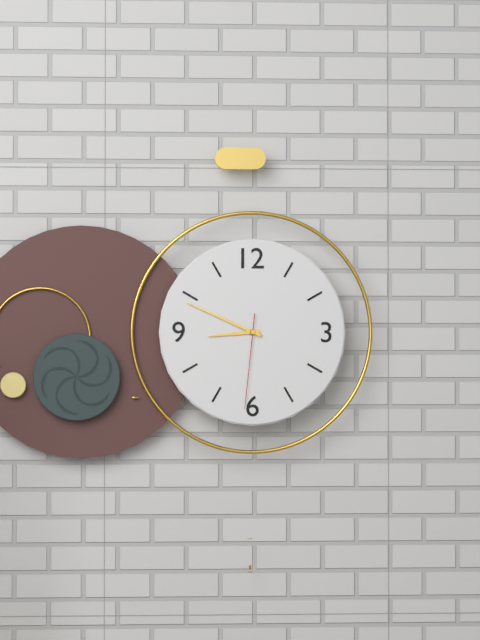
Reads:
8,49,31
